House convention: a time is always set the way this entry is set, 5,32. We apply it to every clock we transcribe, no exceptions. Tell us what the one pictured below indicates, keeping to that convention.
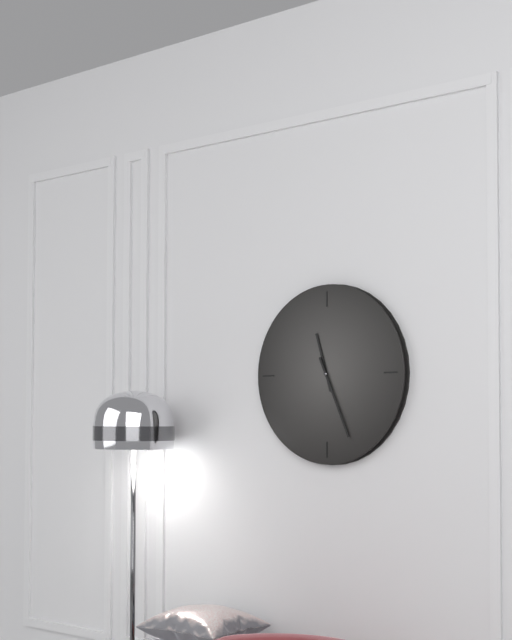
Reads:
11,26
